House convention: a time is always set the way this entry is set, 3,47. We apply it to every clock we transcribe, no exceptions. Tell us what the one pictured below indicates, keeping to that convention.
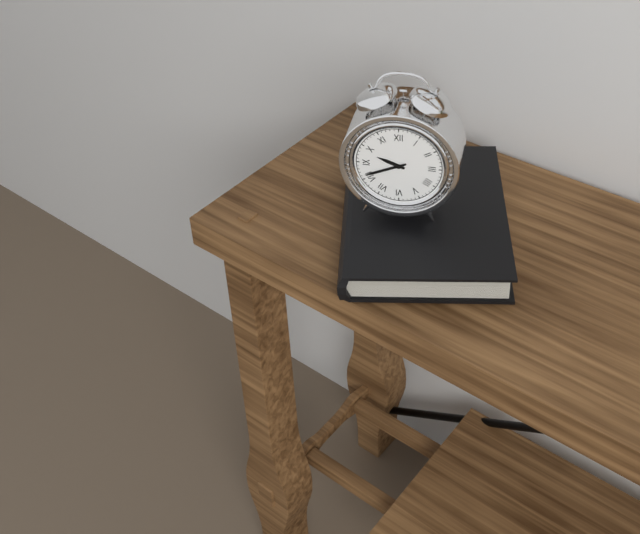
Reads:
9,41
